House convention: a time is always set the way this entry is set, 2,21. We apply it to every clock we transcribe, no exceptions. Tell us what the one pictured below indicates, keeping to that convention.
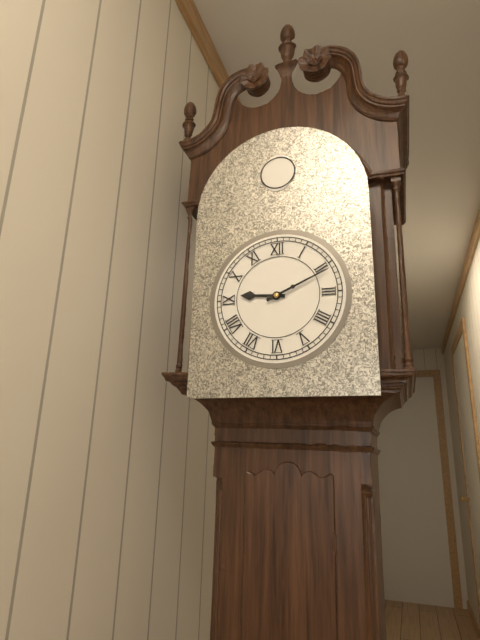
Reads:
9,11
